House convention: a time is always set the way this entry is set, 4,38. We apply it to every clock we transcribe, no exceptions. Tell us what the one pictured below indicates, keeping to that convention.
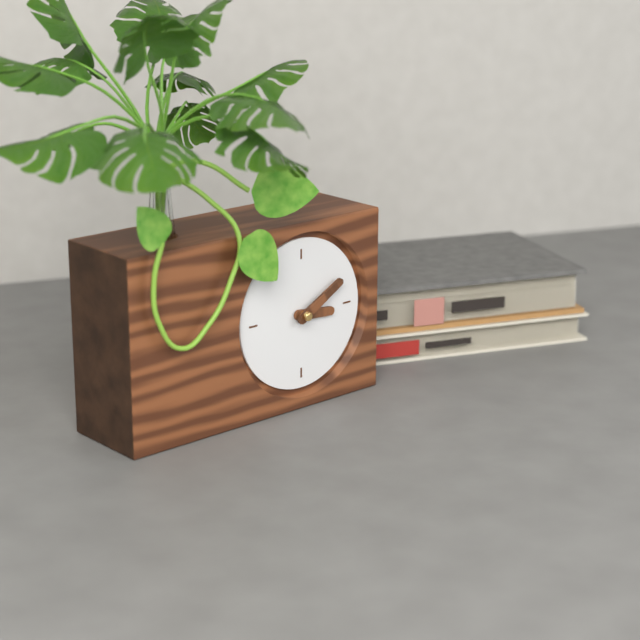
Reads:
3,10
